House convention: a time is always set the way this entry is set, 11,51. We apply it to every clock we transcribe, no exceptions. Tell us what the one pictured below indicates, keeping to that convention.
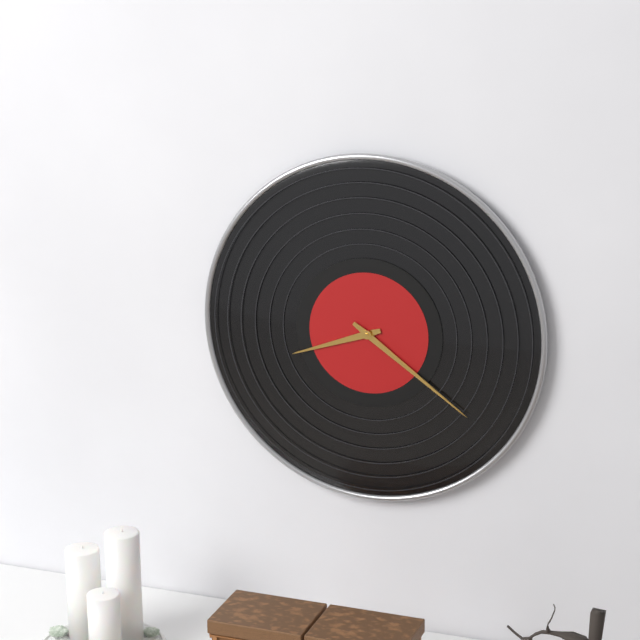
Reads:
8,21
